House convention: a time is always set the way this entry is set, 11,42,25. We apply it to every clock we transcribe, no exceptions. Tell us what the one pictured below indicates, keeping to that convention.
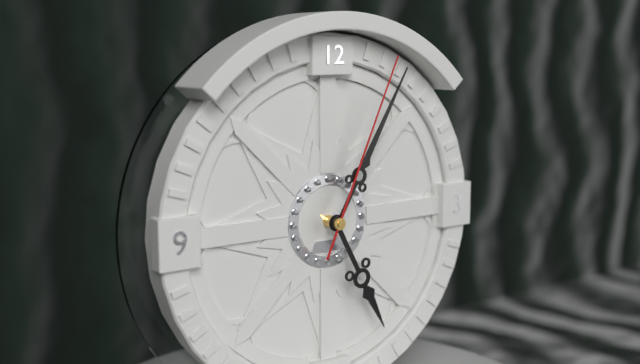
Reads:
5,05,04
